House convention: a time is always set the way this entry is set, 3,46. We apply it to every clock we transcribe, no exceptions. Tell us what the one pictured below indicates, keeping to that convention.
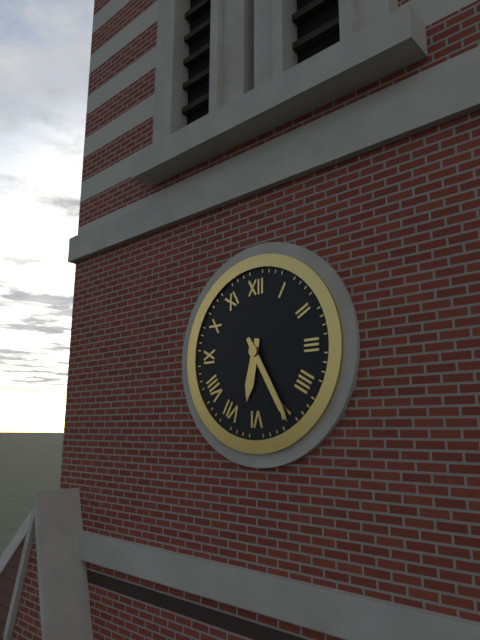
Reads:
6,25
